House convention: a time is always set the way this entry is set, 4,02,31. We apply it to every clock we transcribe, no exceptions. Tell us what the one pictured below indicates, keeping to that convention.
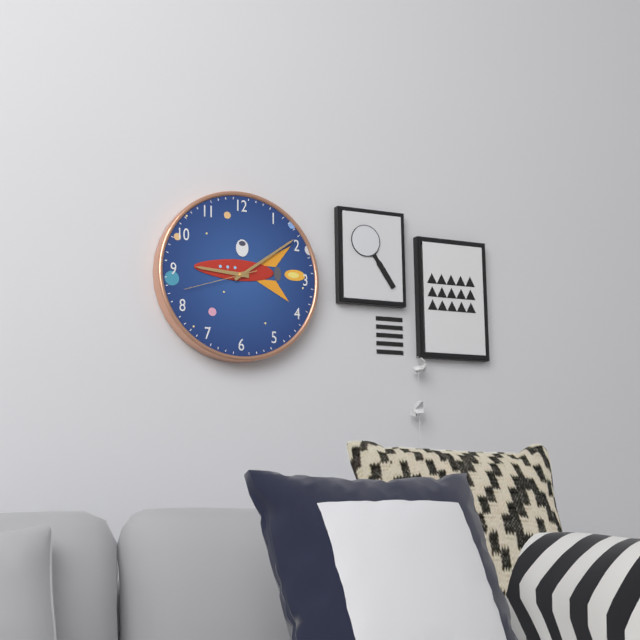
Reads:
9,09,42
